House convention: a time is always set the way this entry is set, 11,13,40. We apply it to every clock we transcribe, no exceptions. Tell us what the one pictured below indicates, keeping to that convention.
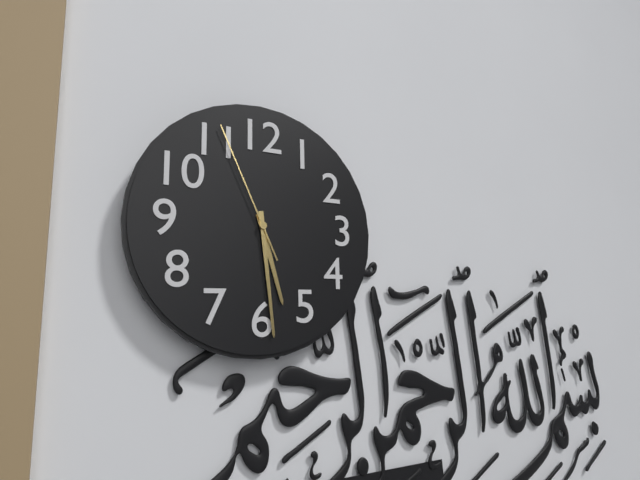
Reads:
5,29,56
